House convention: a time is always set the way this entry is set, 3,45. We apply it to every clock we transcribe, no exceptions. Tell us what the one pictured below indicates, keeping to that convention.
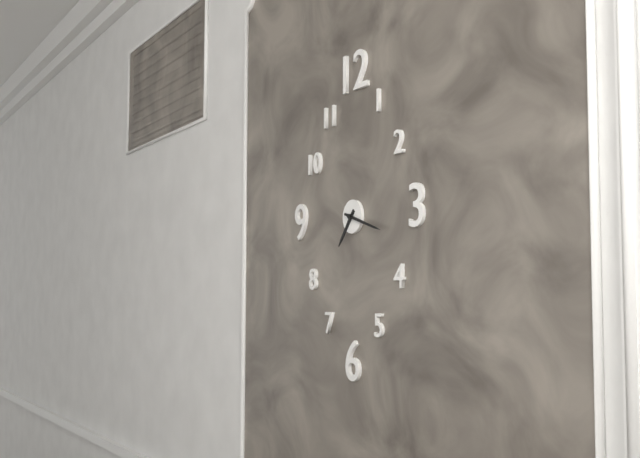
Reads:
7,18
